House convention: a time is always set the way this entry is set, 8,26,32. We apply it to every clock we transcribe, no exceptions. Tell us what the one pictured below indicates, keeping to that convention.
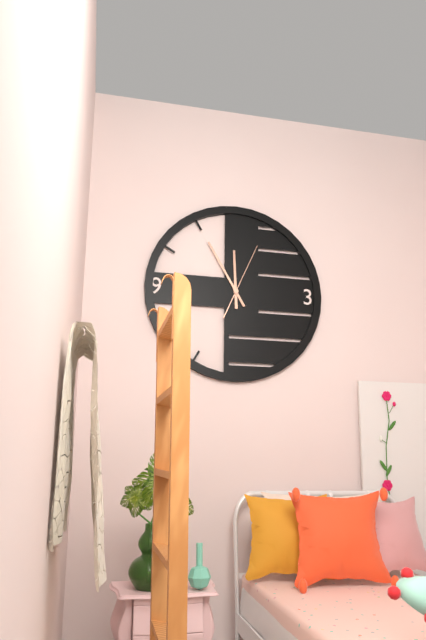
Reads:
11,55,04
